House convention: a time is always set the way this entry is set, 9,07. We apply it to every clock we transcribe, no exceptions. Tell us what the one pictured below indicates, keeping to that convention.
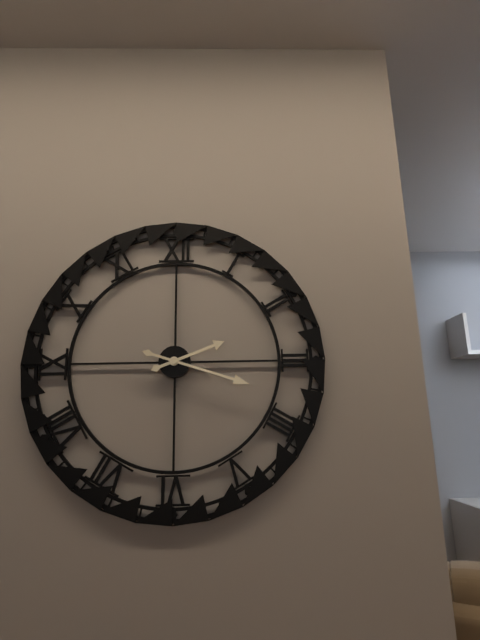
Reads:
2,18
